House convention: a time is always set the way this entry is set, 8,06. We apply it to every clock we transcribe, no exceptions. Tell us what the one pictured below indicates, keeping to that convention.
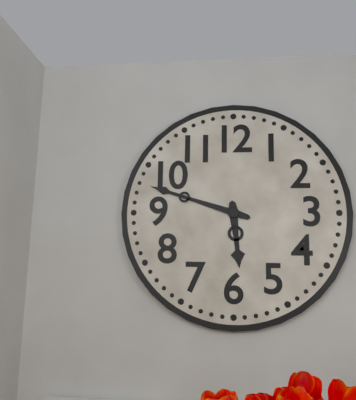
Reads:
5,48
